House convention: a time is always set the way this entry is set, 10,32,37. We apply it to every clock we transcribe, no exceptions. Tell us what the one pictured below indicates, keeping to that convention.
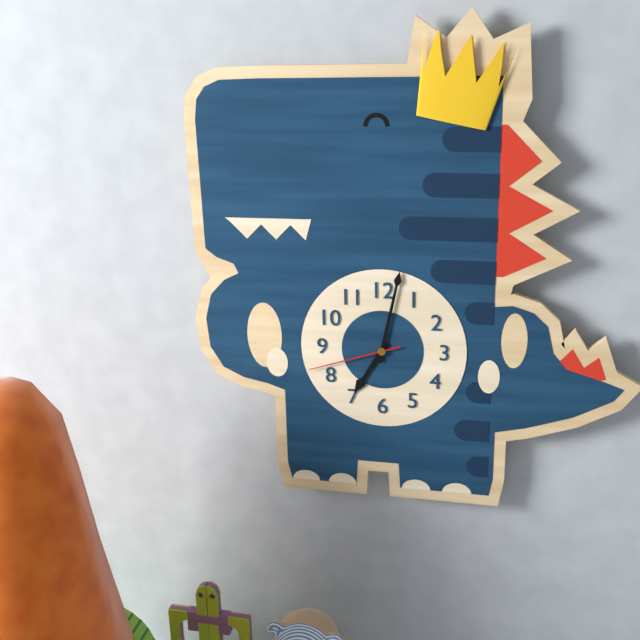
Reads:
7,02,42
